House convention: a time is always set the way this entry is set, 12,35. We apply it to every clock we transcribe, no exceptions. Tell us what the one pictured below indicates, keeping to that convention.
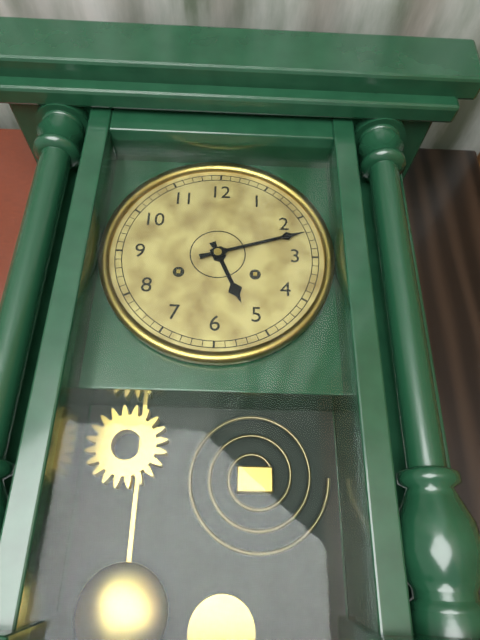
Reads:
5,12
